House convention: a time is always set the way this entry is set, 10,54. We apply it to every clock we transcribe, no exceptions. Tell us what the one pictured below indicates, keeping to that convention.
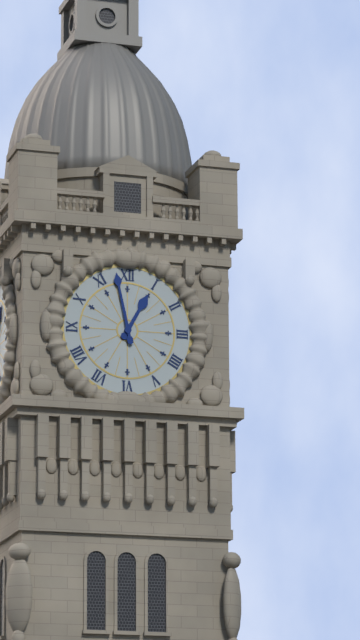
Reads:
12,58
